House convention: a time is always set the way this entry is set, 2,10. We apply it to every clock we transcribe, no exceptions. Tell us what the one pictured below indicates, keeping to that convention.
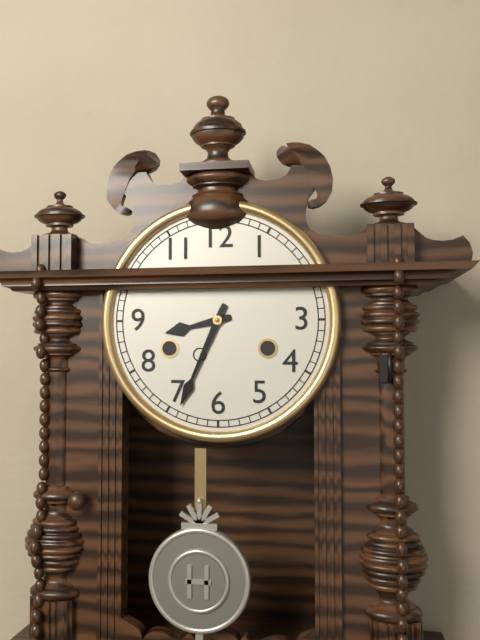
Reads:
8,34
